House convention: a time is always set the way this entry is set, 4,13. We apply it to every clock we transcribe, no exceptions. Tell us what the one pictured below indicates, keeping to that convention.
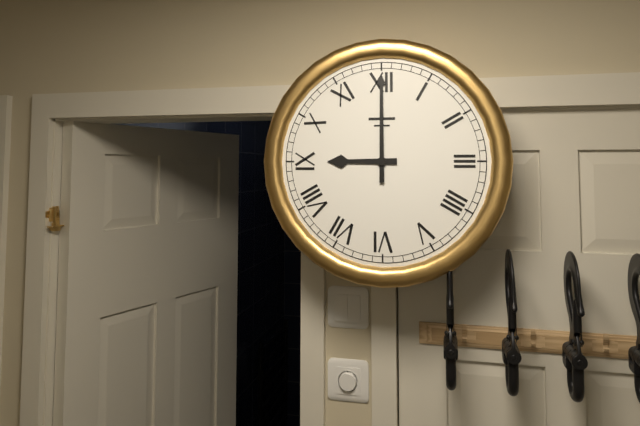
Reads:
9,00
